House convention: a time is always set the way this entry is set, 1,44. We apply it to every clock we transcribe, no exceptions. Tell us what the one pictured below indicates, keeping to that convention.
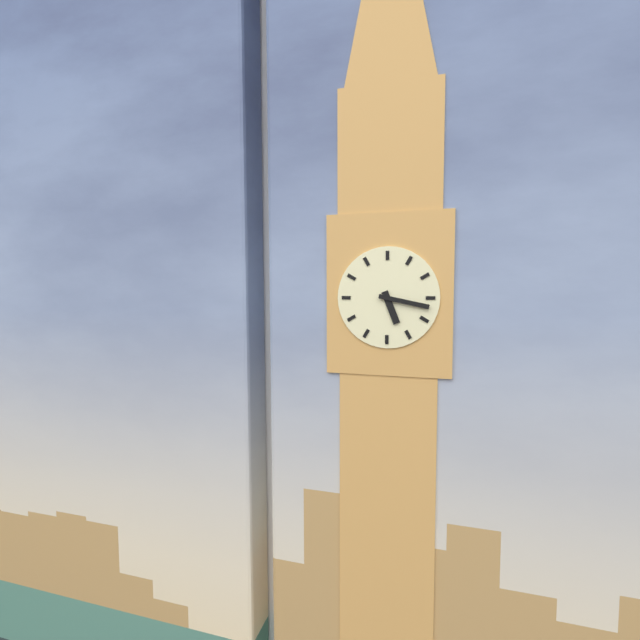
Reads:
5,17
